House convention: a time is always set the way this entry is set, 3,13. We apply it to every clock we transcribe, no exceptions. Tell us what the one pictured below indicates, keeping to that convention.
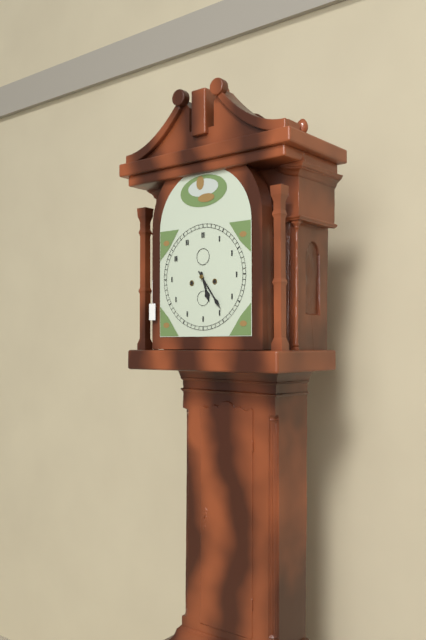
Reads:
5,24
